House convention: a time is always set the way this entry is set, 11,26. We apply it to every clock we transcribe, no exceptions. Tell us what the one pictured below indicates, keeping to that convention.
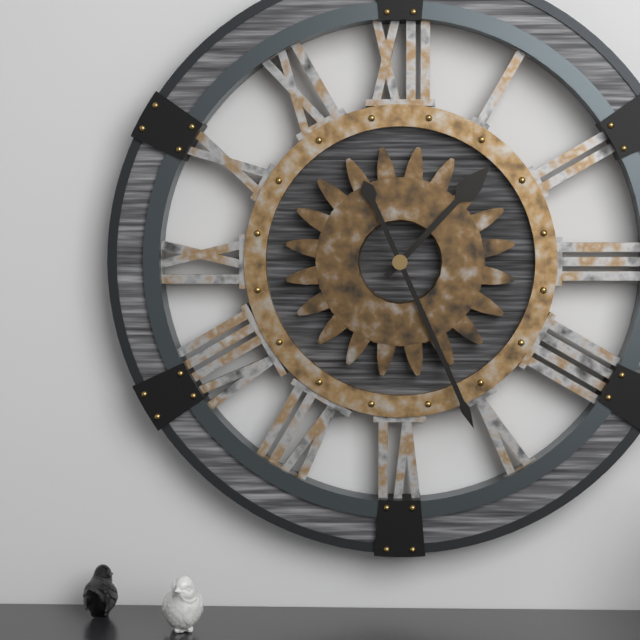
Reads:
1,26
